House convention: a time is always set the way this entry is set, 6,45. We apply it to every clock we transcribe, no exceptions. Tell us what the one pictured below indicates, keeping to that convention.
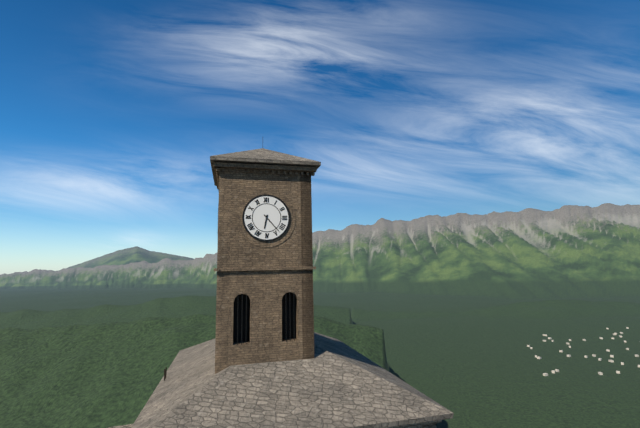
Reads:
6,23
